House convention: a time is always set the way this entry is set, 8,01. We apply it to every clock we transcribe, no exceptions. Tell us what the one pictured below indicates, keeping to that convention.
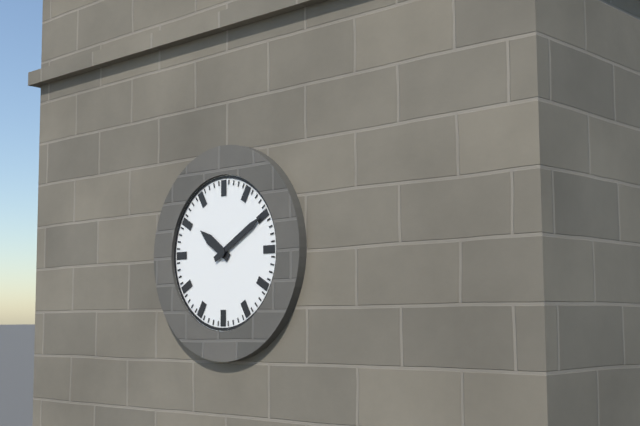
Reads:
10,10
